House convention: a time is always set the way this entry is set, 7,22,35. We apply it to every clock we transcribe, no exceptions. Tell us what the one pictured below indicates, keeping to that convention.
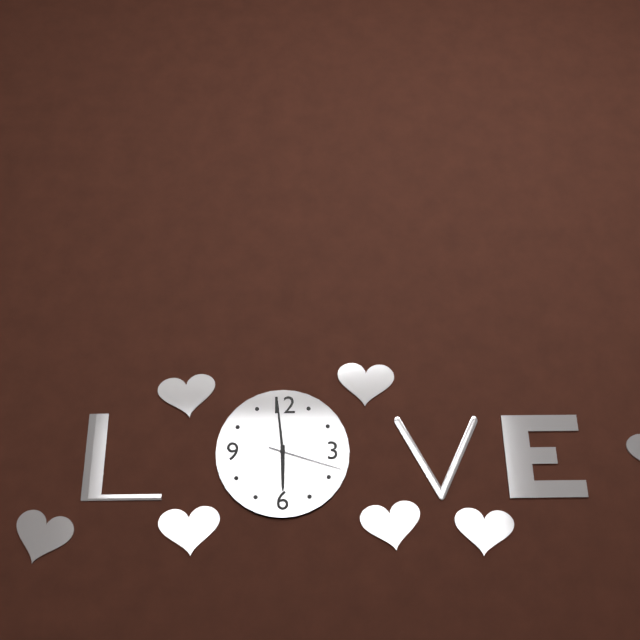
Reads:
5,59,18
